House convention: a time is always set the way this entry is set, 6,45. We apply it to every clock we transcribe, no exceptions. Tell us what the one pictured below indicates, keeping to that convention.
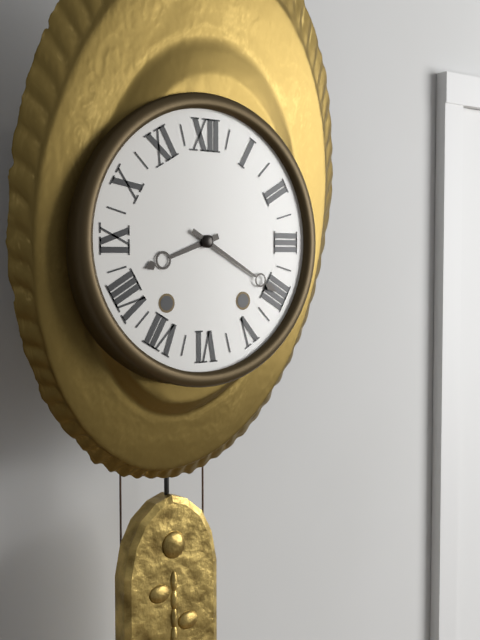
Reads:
8,20
